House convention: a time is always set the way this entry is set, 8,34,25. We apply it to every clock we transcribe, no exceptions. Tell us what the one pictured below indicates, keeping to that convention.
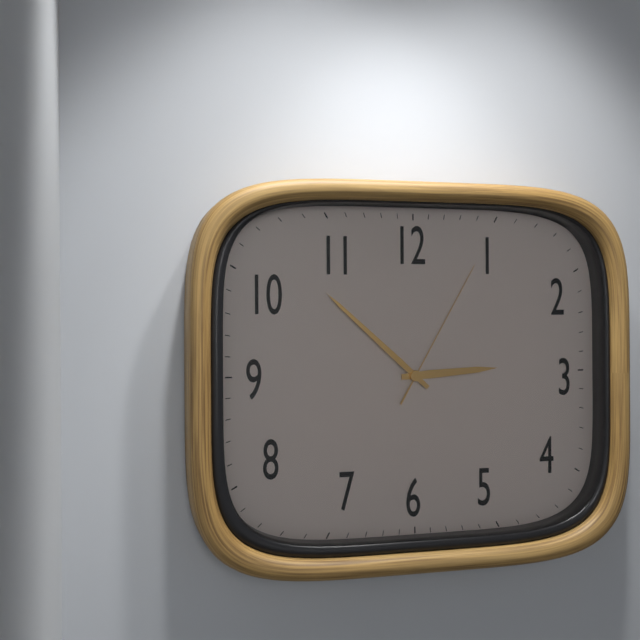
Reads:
2,52,05
